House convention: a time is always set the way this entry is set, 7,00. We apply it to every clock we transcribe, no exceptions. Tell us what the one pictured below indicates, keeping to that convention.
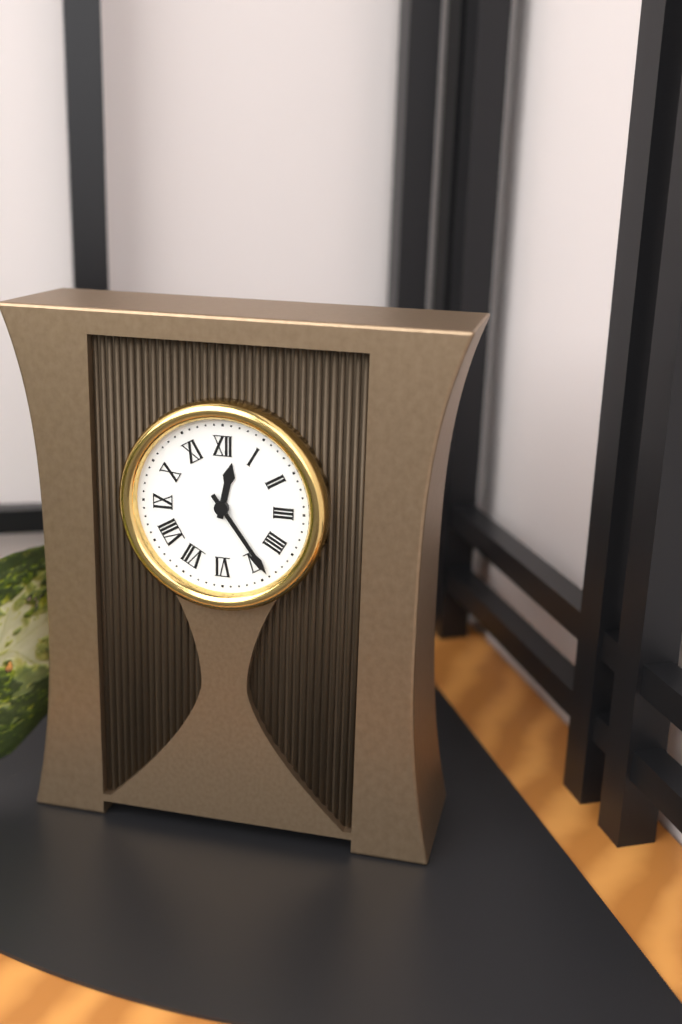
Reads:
12,24
